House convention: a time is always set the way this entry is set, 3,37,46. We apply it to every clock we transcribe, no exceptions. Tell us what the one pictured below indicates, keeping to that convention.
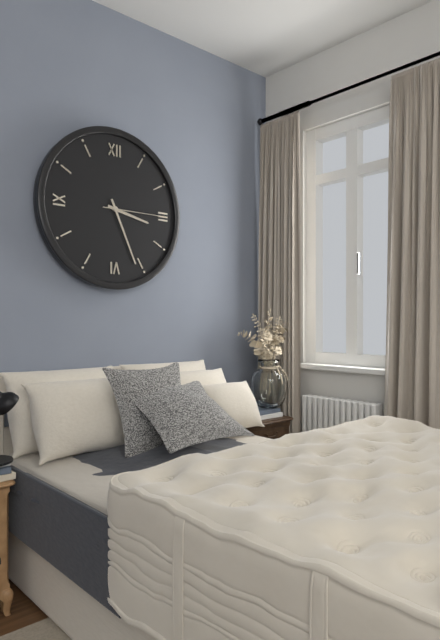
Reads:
3,26,15
